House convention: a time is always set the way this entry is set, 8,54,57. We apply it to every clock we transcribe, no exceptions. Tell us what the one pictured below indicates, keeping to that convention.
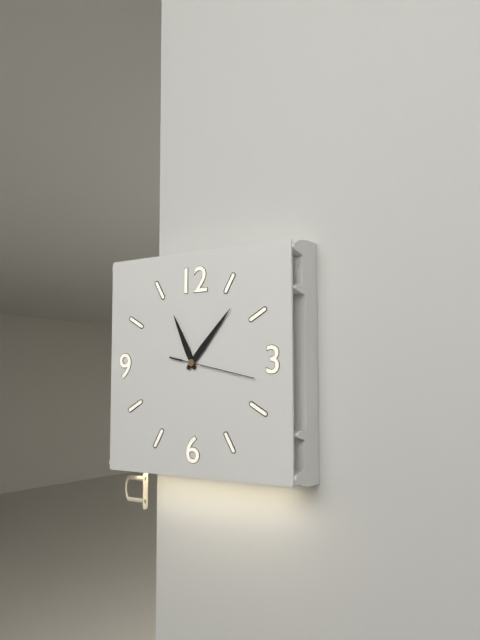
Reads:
11,07,17
